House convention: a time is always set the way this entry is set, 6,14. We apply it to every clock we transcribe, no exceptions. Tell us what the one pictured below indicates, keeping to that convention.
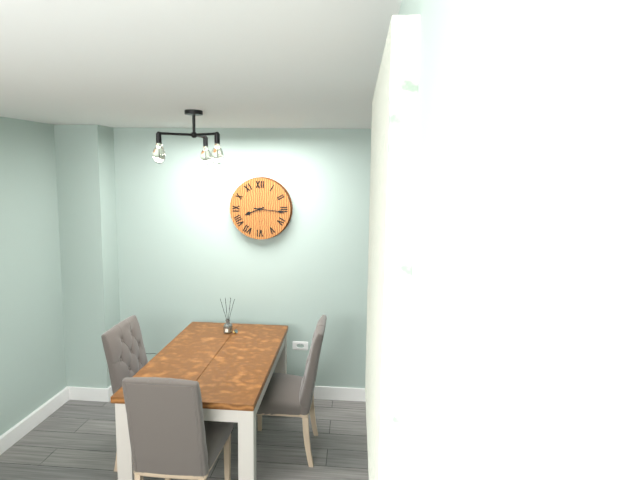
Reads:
8,16
